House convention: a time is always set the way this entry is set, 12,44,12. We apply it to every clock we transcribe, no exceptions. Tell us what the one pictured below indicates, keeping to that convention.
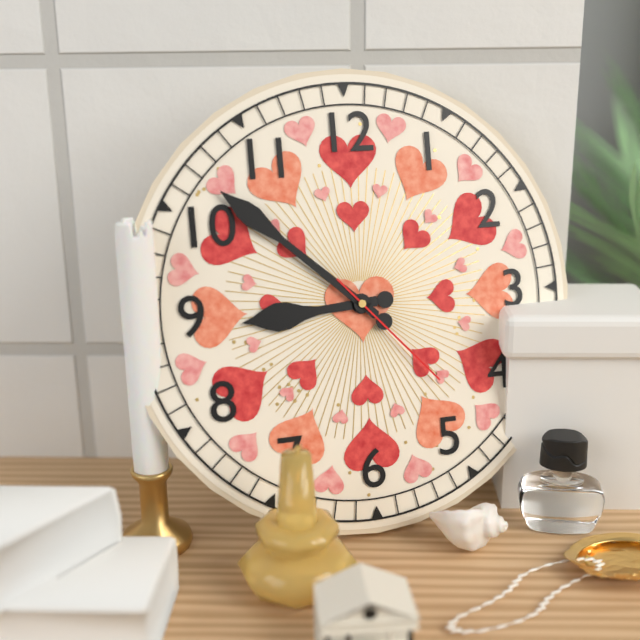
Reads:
8,52,23
